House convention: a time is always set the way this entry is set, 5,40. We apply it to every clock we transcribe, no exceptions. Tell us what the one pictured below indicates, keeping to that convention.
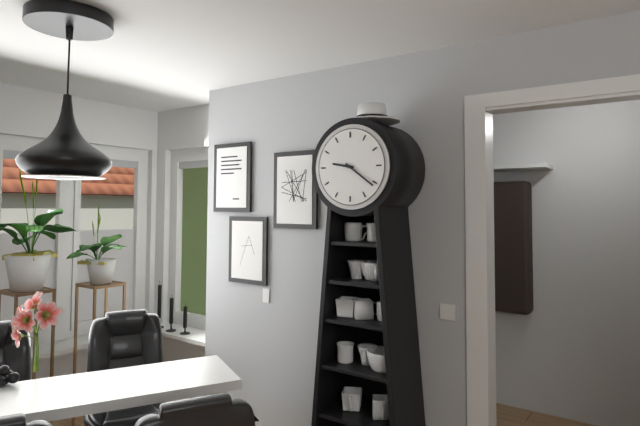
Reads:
9,21
